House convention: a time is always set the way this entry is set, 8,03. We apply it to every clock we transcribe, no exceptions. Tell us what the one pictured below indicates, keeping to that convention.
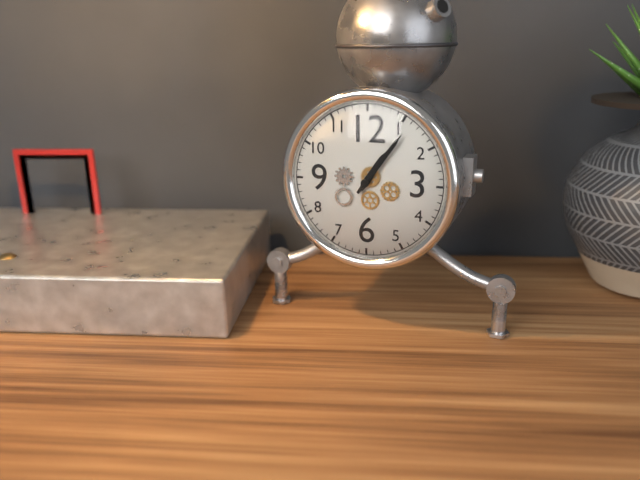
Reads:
1,06
